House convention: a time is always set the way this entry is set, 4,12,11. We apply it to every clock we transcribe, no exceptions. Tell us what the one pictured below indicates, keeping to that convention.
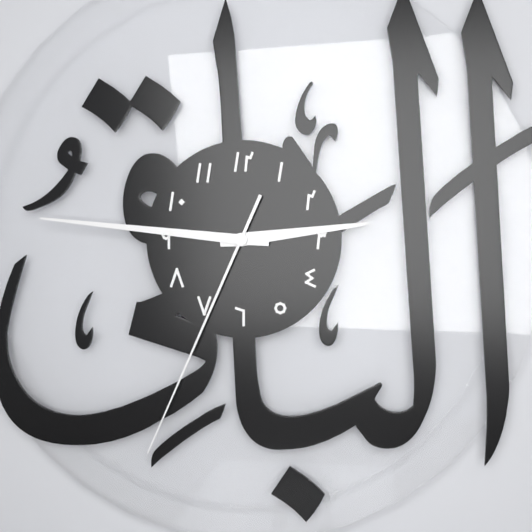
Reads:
2,46,34
